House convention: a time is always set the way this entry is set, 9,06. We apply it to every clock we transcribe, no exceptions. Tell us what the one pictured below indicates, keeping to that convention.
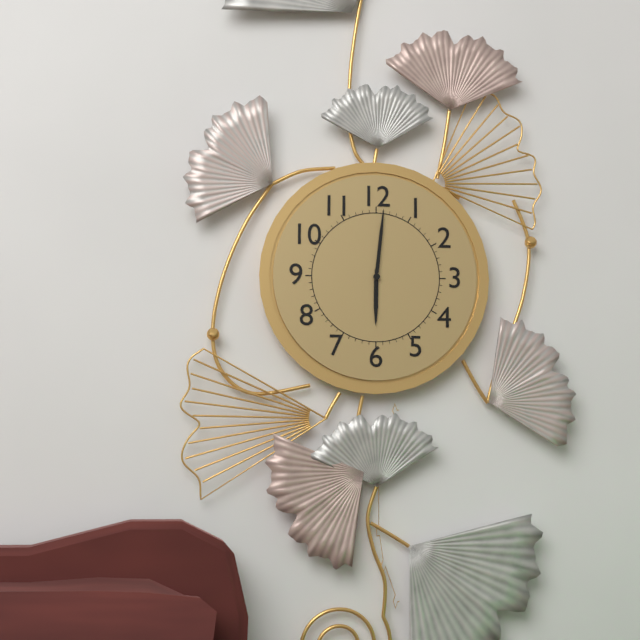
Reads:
6,01
